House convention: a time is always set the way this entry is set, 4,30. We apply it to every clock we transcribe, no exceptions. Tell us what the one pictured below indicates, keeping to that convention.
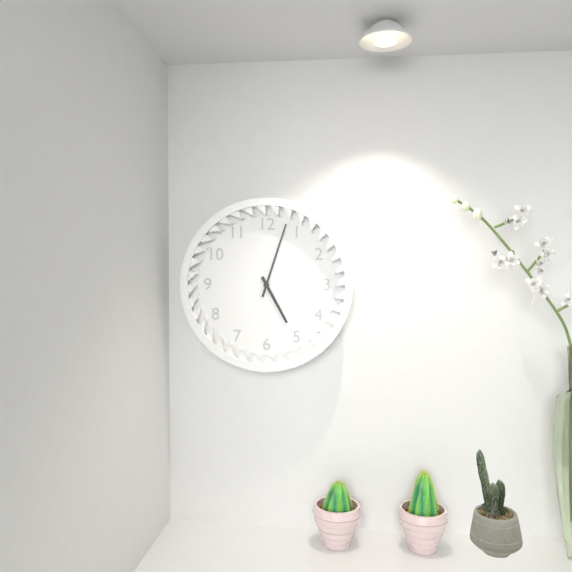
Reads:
5,03
